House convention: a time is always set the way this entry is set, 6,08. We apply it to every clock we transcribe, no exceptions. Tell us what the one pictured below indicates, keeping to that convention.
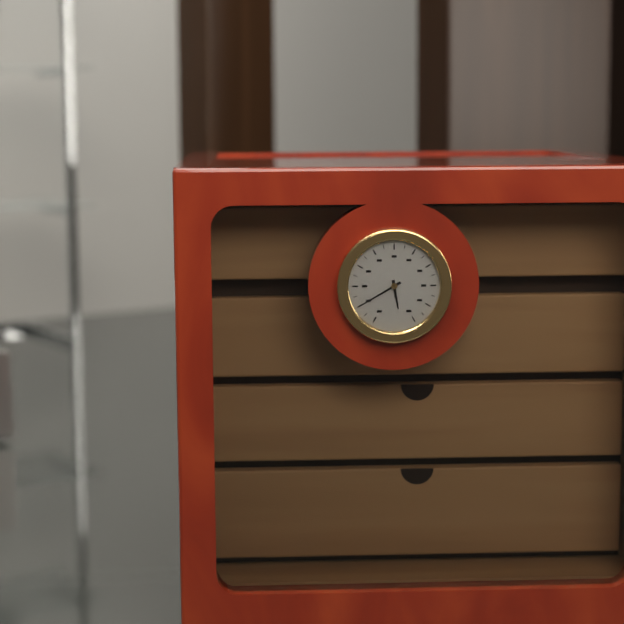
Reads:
5,40
